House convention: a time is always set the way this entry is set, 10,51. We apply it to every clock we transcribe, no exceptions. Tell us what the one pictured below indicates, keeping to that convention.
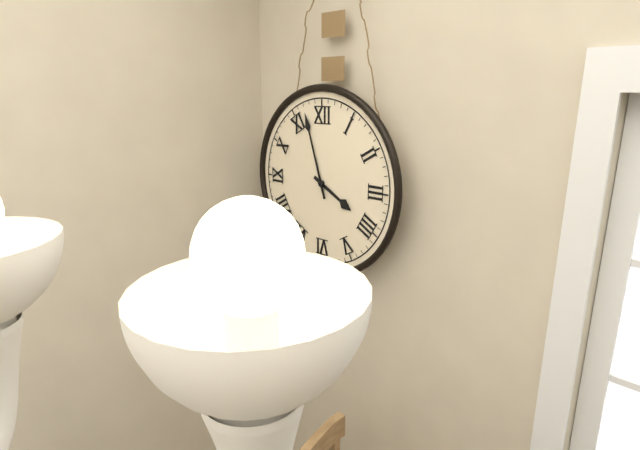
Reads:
3,57
